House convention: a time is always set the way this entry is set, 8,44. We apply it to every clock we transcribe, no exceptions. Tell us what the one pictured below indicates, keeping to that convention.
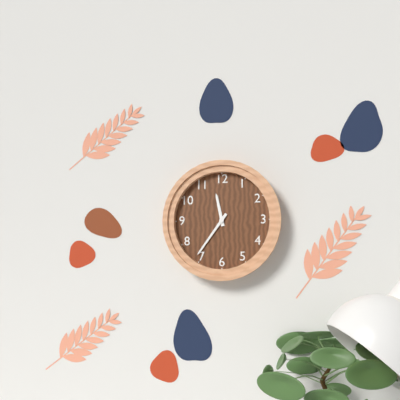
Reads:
11,36
